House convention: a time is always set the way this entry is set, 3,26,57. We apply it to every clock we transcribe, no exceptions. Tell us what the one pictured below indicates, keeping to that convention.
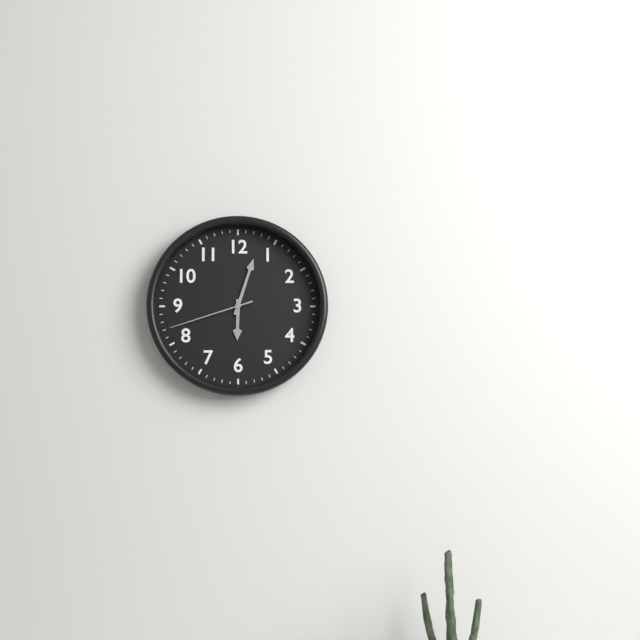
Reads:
6,03,42
